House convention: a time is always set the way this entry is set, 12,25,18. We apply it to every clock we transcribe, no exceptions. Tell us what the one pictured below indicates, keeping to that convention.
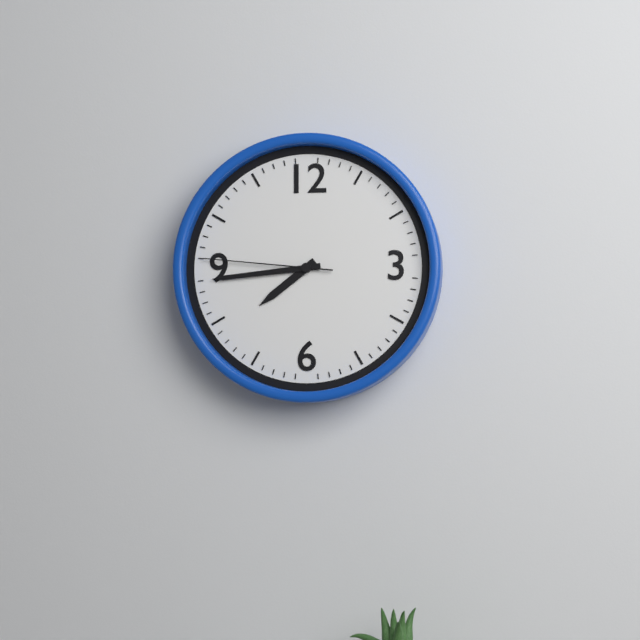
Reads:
7,44,46
